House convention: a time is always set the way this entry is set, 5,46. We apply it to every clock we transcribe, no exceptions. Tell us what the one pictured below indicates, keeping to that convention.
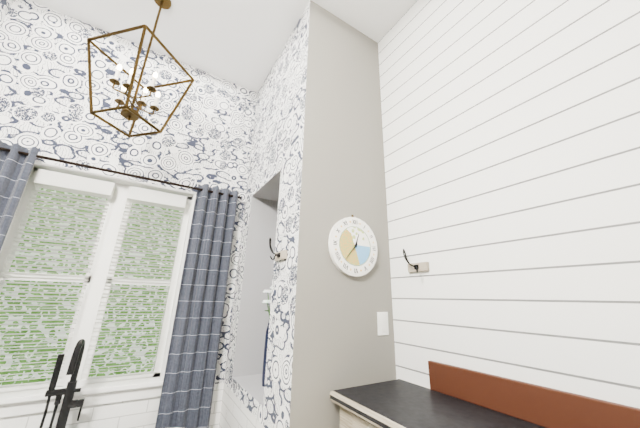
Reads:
12,37
